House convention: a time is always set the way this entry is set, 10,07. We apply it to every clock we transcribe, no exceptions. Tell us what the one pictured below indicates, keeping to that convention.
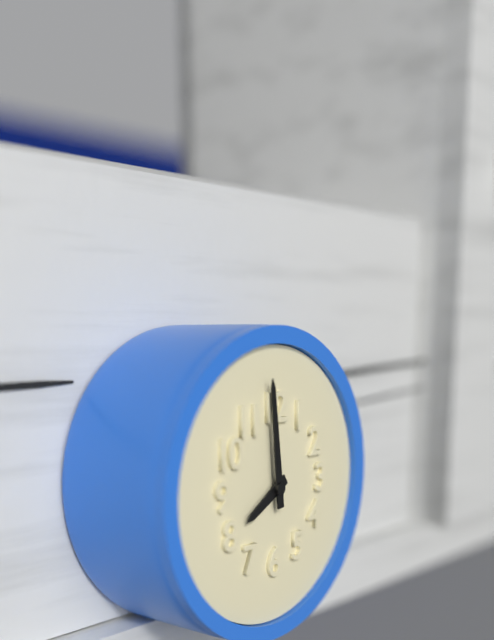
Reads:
7,59
